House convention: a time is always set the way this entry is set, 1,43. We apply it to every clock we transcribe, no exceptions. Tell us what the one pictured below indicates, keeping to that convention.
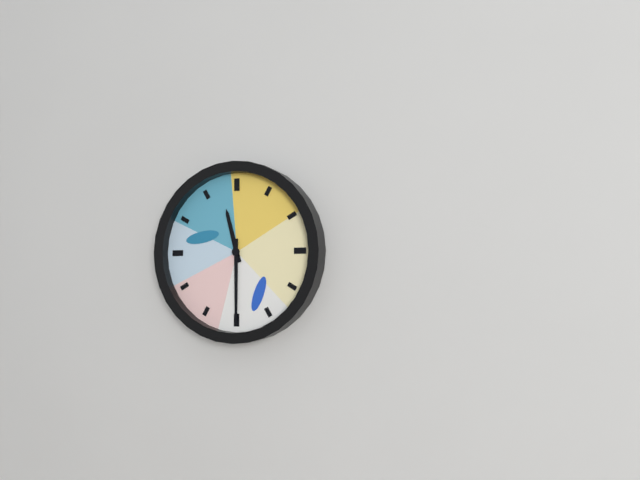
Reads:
11,30
